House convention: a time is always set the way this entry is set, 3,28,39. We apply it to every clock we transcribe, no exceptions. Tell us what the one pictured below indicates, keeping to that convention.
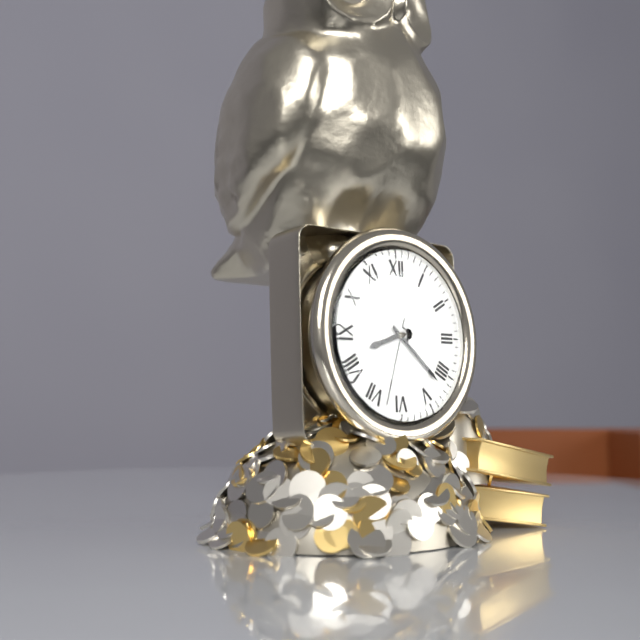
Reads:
8,22,33
